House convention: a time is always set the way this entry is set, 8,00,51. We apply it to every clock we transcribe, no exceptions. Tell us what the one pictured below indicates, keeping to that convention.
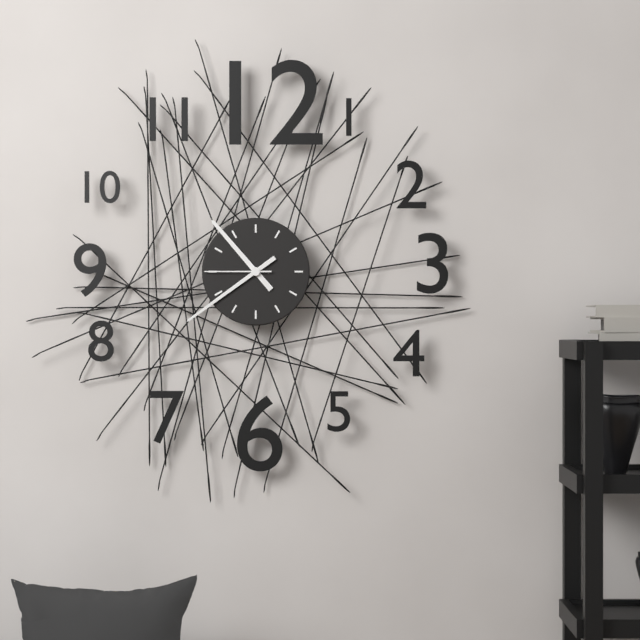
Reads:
10,39,45
